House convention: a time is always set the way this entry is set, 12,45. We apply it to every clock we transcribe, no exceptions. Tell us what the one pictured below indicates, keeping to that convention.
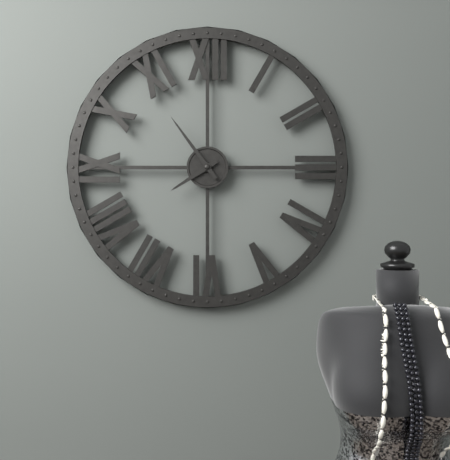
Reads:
7,54
